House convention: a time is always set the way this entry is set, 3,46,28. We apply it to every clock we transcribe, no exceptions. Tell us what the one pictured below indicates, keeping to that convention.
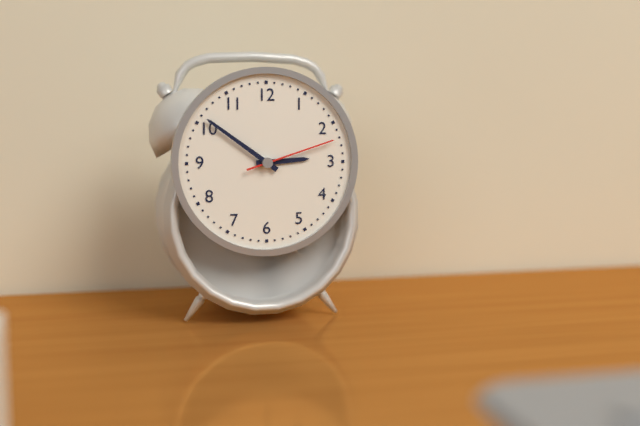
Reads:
2,51,12
